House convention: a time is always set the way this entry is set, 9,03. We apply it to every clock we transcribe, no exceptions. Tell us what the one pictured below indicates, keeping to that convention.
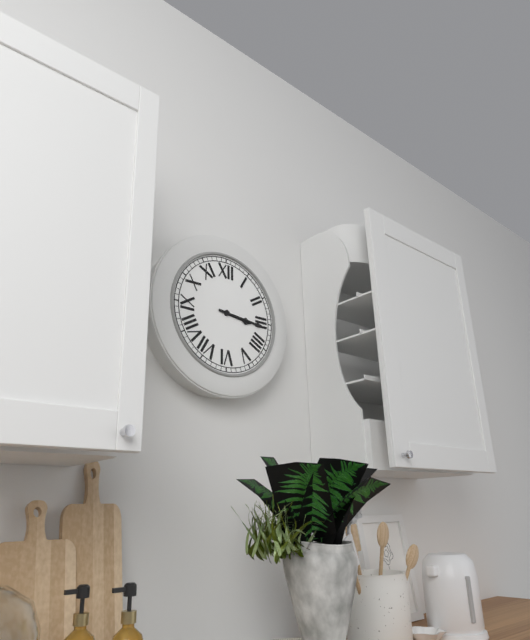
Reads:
3,16
